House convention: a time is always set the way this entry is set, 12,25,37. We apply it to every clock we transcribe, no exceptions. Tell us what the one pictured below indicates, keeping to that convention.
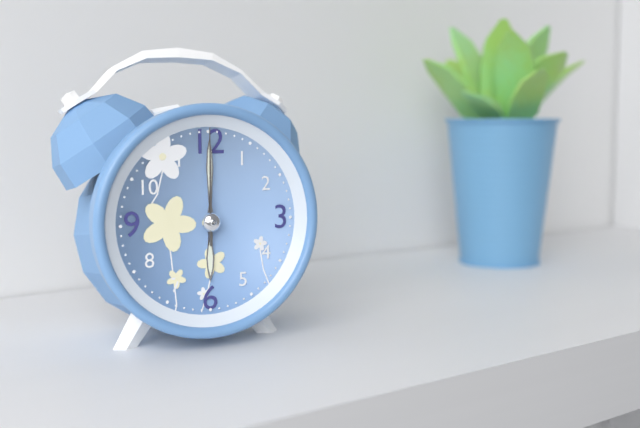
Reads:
6,00,00
